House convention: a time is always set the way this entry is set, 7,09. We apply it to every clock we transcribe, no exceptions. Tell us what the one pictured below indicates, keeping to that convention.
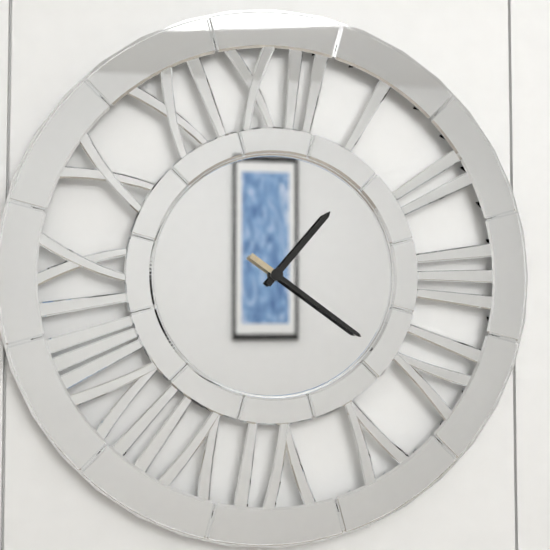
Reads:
1,21
